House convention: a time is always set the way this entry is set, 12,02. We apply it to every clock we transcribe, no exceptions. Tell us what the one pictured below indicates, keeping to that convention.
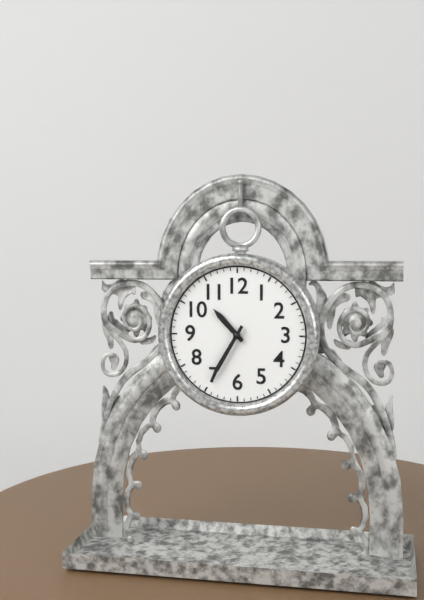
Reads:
10,35
